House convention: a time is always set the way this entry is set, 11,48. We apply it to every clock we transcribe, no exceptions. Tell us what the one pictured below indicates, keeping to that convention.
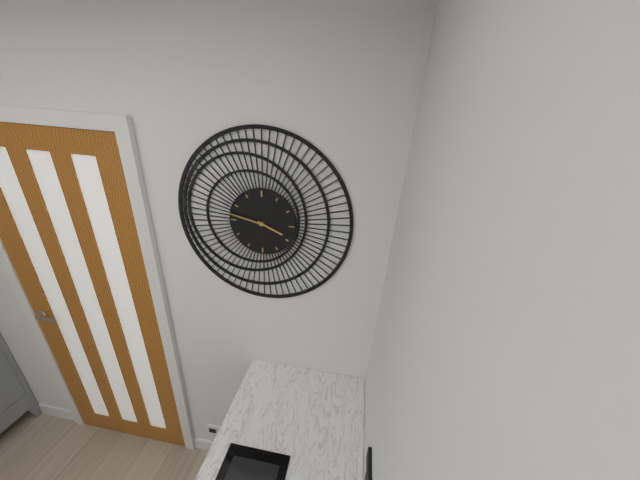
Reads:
3,47
